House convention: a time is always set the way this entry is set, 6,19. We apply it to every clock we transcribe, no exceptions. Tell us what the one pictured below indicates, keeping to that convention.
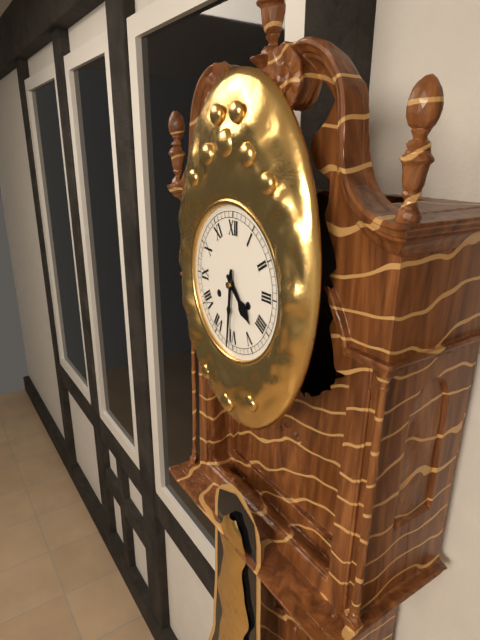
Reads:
4,31
